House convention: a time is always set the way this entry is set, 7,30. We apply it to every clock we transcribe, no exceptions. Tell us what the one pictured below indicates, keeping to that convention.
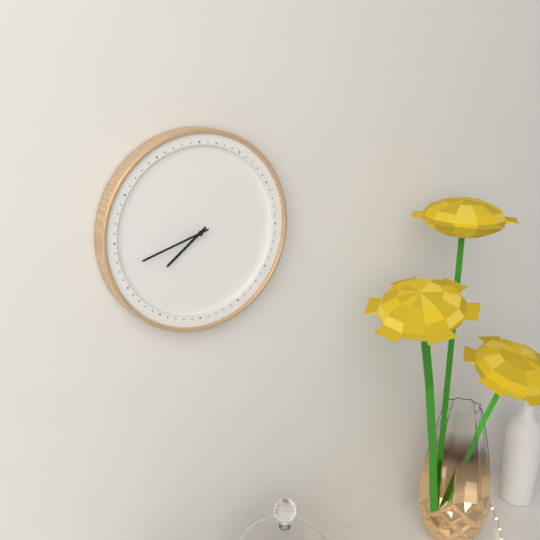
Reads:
7,42
